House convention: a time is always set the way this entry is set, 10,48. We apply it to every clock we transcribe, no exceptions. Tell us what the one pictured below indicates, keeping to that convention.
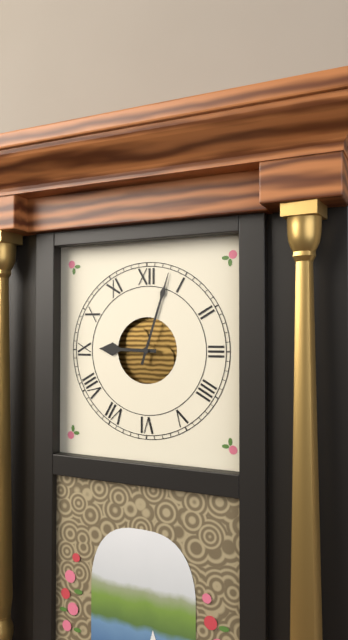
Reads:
9,03
